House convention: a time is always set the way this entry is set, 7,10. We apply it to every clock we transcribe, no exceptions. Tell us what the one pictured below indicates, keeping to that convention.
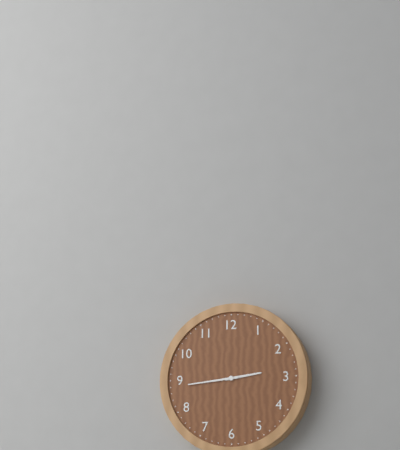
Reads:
2,44
